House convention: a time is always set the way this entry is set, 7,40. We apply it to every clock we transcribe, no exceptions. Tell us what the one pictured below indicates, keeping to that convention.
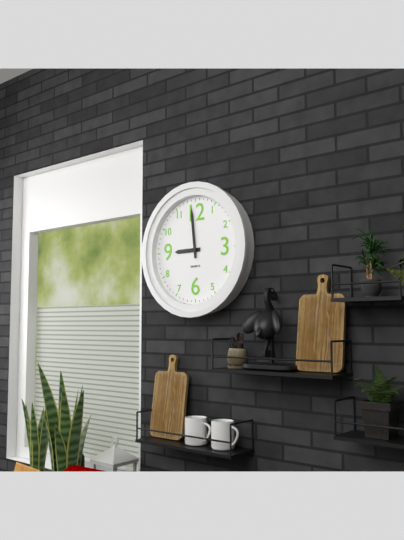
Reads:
8,59
